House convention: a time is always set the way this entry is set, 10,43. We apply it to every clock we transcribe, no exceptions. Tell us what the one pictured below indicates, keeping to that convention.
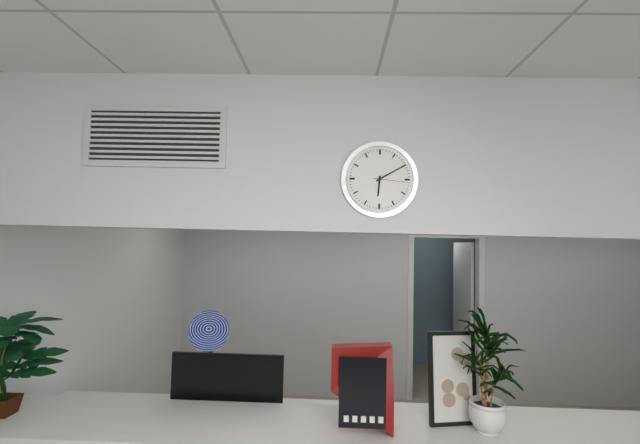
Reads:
6,10
